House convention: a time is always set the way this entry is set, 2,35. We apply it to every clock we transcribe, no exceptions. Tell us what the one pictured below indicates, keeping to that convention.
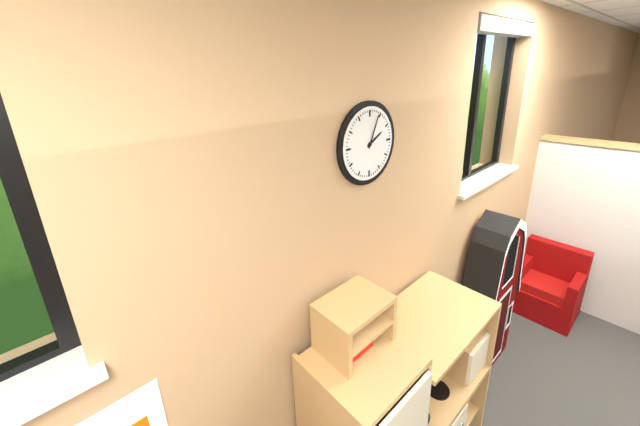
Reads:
2,04
